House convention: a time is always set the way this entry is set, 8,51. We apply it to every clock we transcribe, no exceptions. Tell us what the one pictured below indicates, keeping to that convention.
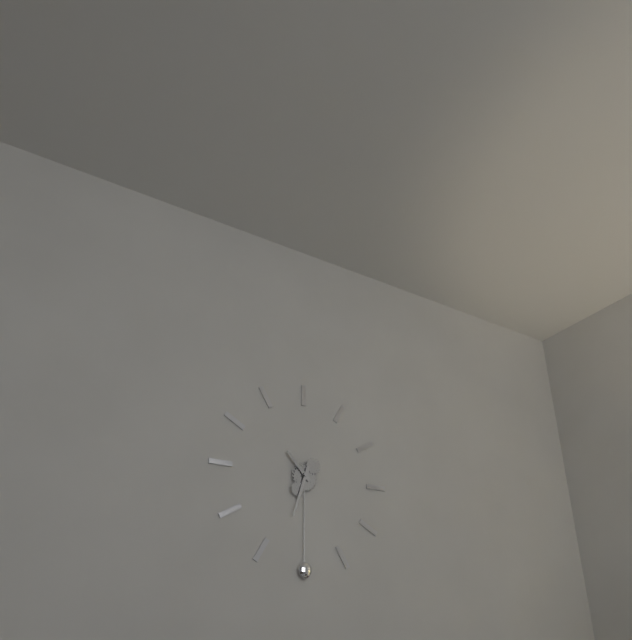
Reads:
10,33
